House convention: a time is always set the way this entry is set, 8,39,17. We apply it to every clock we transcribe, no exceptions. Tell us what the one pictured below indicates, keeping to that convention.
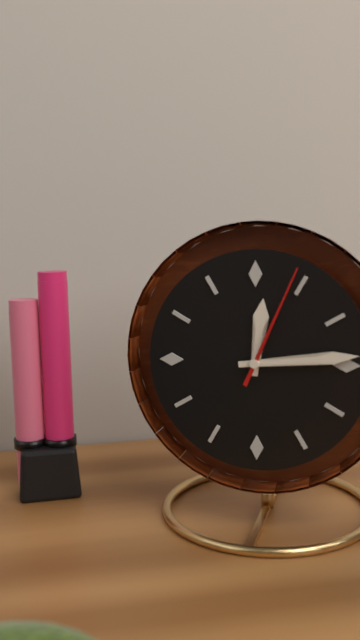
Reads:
12,14,04
